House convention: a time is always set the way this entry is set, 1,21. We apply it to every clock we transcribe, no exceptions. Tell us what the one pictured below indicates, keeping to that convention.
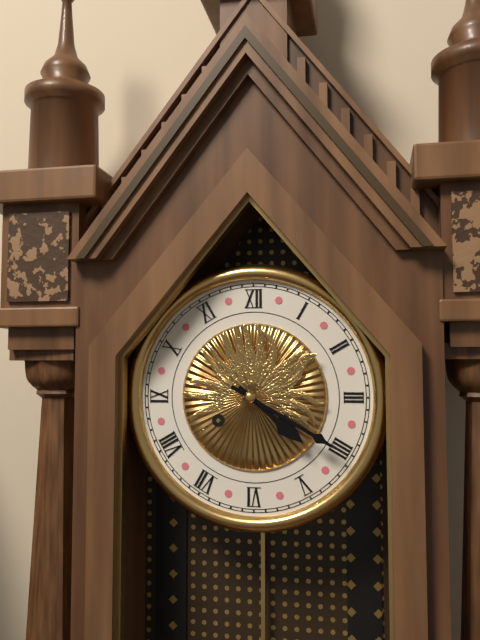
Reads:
4,20
